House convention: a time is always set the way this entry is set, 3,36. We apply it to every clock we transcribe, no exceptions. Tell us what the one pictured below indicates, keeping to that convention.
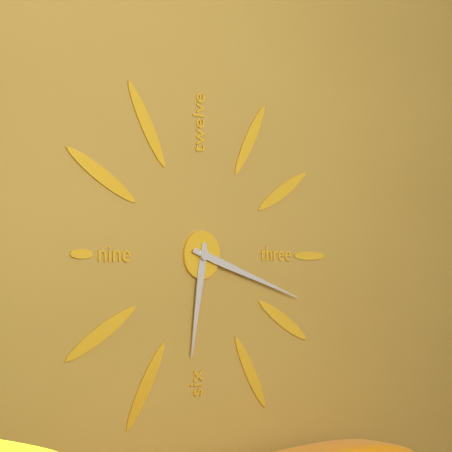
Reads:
6,18
